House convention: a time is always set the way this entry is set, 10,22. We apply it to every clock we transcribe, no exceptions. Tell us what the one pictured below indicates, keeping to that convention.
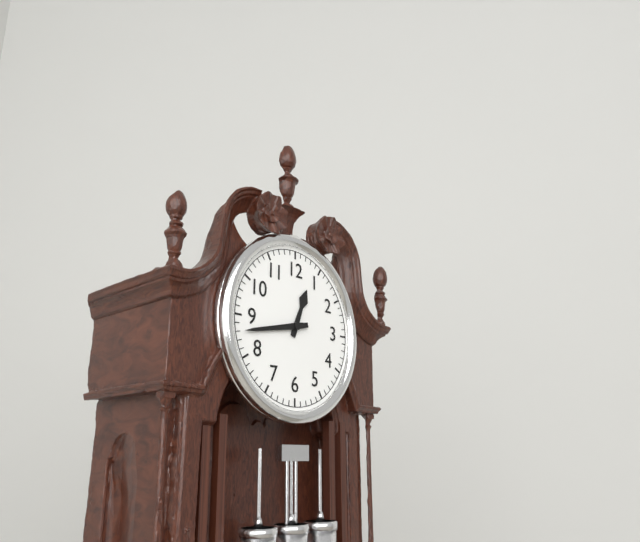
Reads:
12,43
